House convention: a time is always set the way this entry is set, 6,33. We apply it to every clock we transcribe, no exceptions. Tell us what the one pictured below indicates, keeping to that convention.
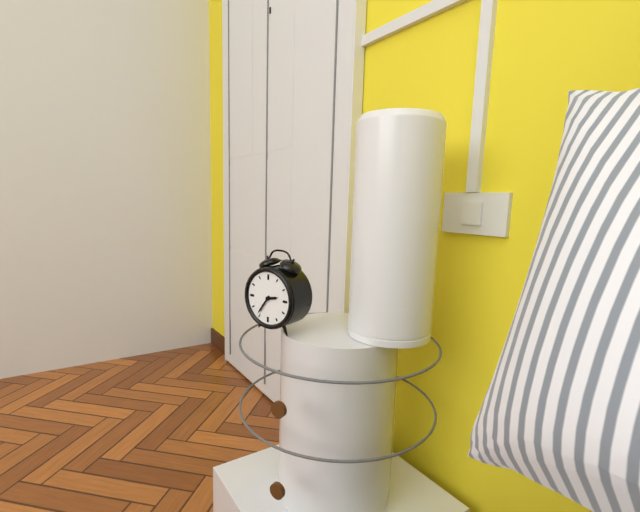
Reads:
2,36
